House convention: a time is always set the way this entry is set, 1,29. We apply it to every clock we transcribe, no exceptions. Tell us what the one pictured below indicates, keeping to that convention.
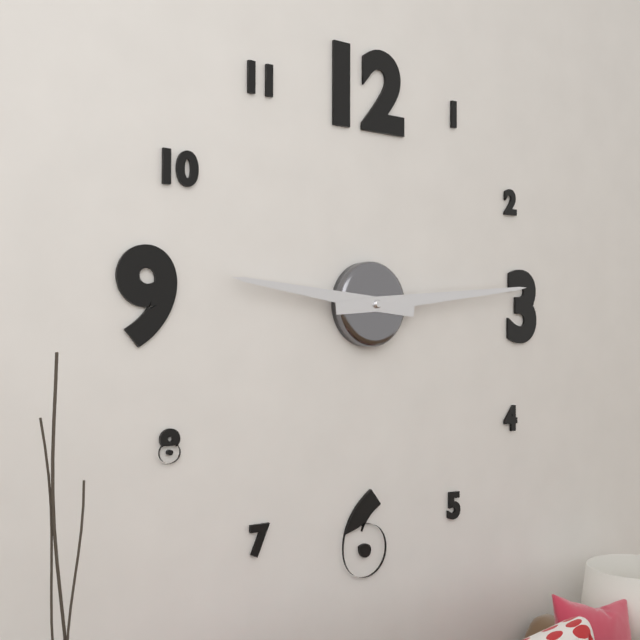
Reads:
9,14
